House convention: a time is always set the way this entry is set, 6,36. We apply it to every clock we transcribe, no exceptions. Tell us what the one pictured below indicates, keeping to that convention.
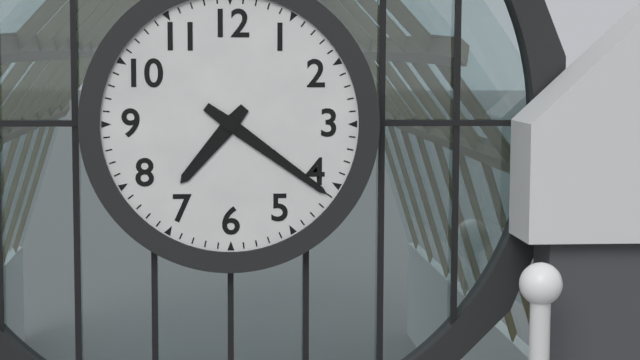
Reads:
7,21
